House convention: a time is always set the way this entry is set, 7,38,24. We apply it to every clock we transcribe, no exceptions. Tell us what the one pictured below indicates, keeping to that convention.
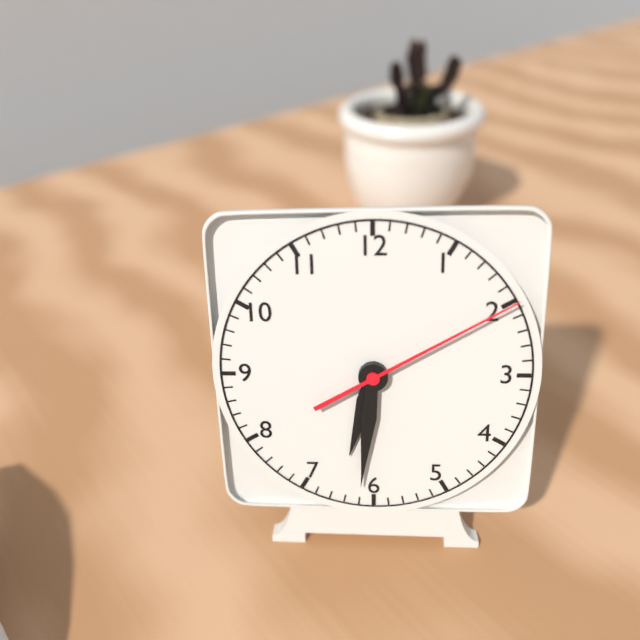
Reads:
6,31,10
